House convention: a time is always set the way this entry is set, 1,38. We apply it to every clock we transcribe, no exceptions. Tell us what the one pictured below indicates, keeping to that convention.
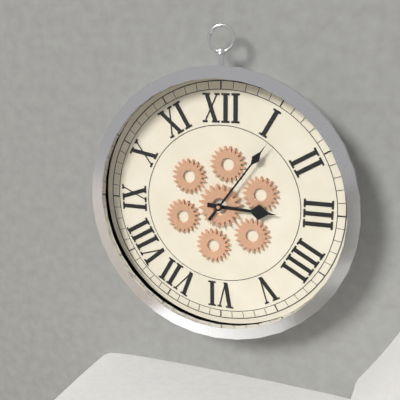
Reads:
3,06
